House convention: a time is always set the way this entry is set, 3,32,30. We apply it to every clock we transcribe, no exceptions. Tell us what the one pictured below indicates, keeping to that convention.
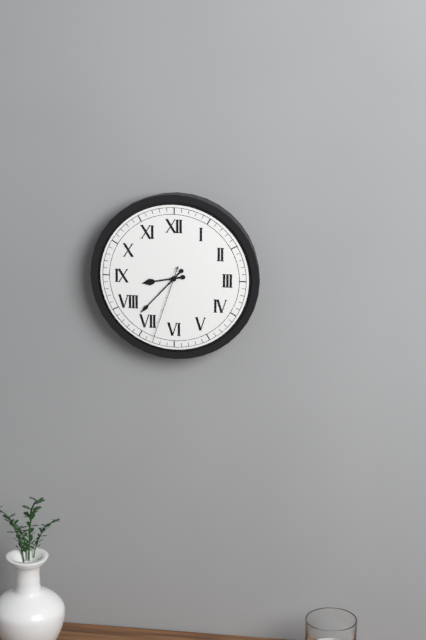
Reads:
8,37,33
